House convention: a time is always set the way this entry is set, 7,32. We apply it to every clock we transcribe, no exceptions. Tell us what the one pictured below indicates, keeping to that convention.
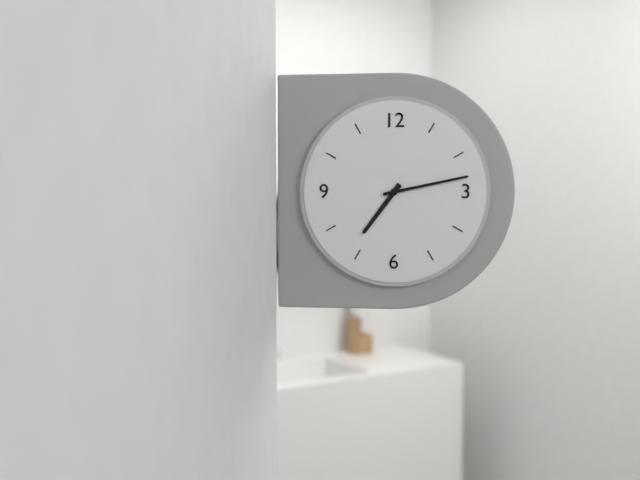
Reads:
7,13
